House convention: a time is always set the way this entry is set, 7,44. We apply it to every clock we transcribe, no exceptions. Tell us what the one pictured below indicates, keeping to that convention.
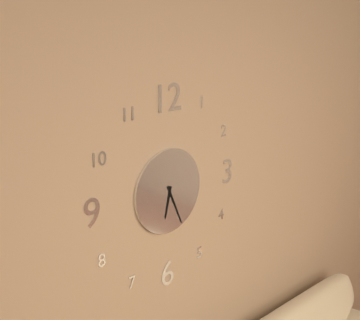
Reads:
6,26
